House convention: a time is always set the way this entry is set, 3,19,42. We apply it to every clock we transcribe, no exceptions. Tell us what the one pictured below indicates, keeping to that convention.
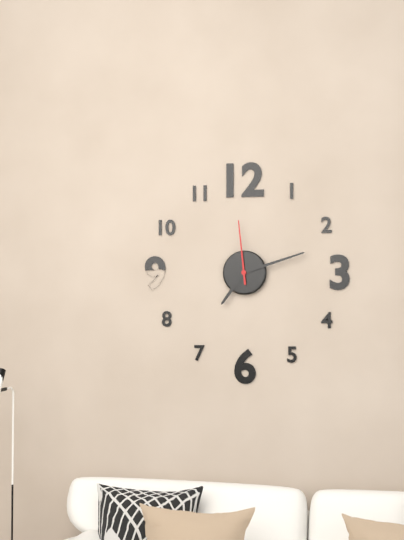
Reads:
7,12,59
